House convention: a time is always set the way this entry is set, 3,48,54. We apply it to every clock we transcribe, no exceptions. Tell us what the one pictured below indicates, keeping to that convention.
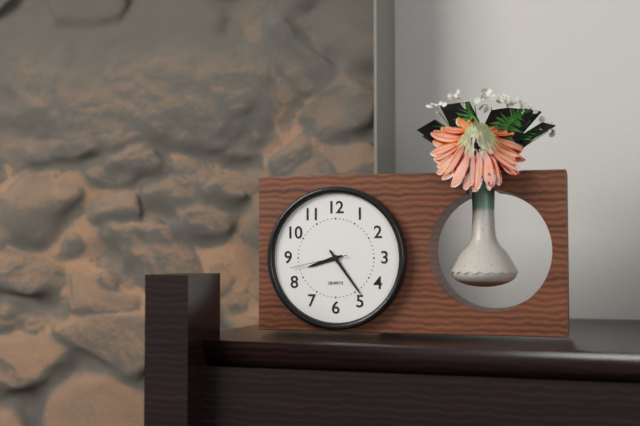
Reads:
8,24,43
